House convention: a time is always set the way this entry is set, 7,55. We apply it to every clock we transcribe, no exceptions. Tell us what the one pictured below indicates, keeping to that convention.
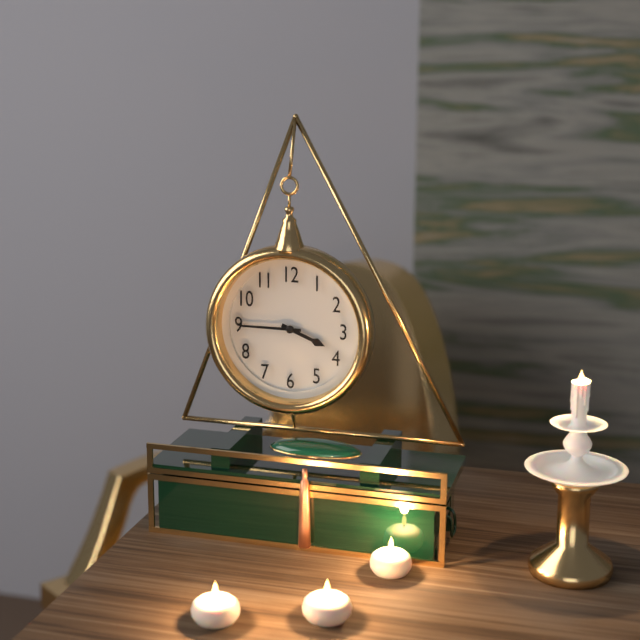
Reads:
3,45
